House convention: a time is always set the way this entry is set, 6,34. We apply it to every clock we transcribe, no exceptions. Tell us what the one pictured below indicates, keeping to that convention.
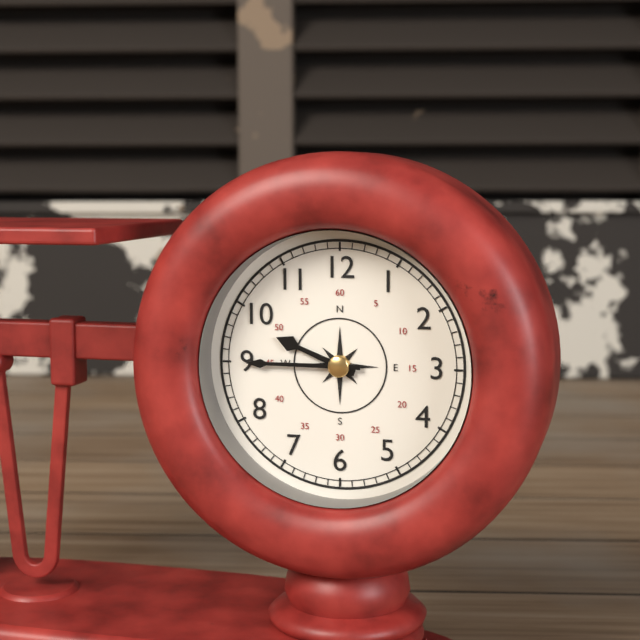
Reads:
9,45
